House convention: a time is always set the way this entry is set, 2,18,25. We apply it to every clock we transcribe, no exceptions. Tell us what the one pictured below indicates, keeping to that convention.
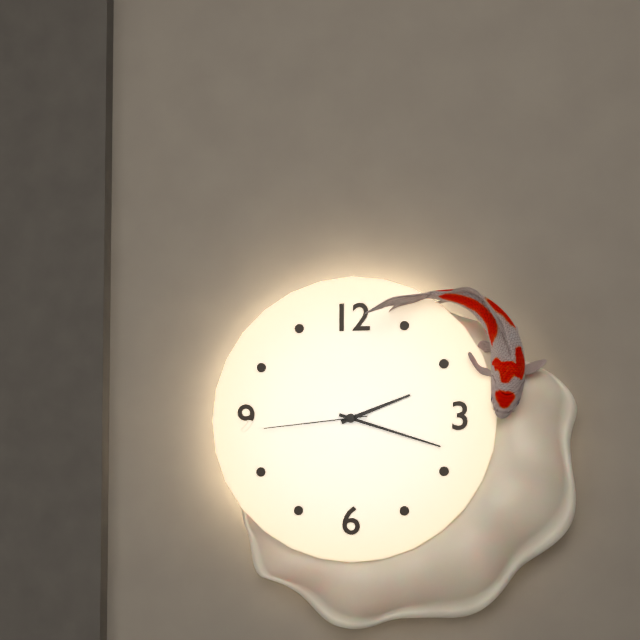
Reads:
2,18,44
